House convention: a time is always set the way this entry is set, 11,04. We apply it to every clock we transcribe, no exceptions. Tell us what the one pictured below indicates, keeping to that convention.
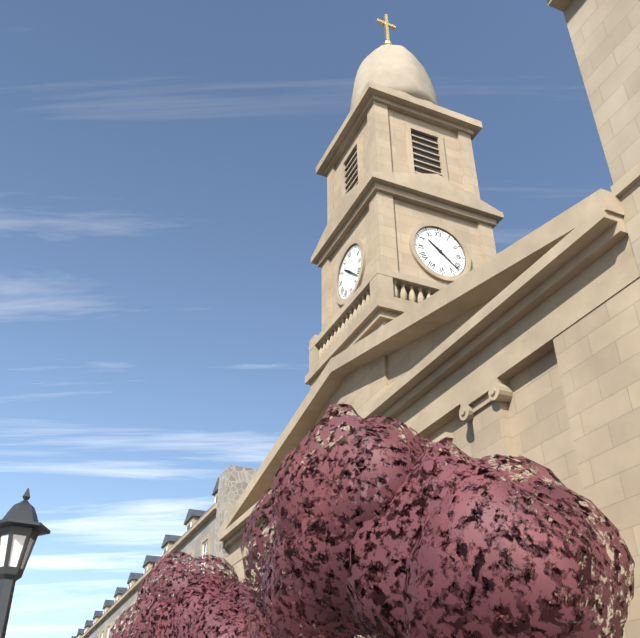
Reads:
10,22
